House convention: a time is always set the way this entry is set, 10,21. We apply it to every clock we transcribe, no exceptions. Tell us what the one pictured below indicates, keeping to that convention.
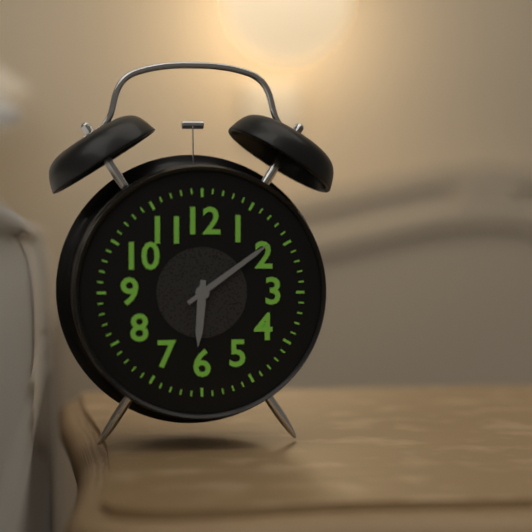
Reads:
6,09
